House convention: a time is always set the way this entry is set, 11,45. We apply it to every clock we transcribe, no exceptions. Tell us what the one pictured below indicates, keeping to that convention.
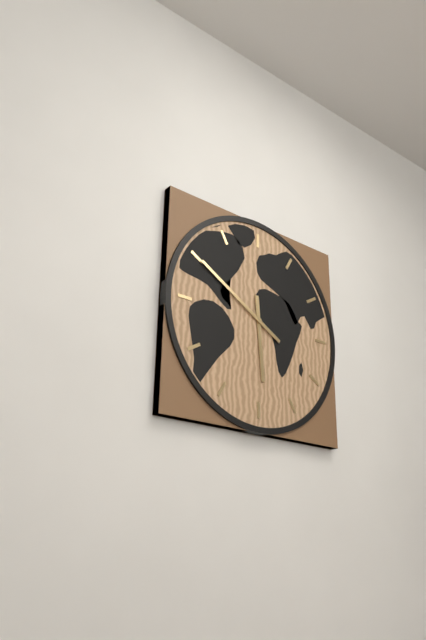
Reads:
5,50
